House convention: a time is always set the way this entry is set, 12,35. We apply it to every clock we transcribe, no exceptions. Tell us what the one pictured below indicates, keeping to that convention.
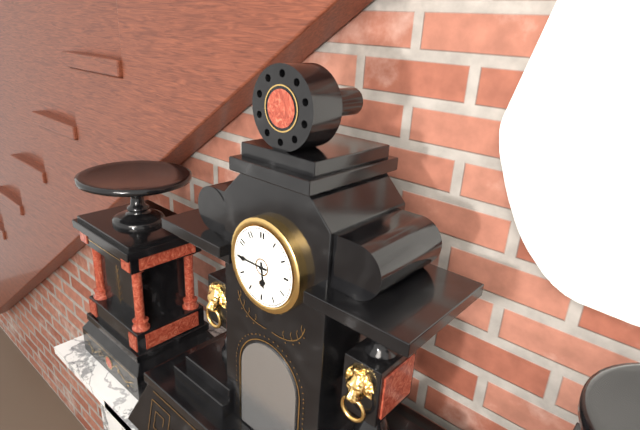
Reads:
5,45
